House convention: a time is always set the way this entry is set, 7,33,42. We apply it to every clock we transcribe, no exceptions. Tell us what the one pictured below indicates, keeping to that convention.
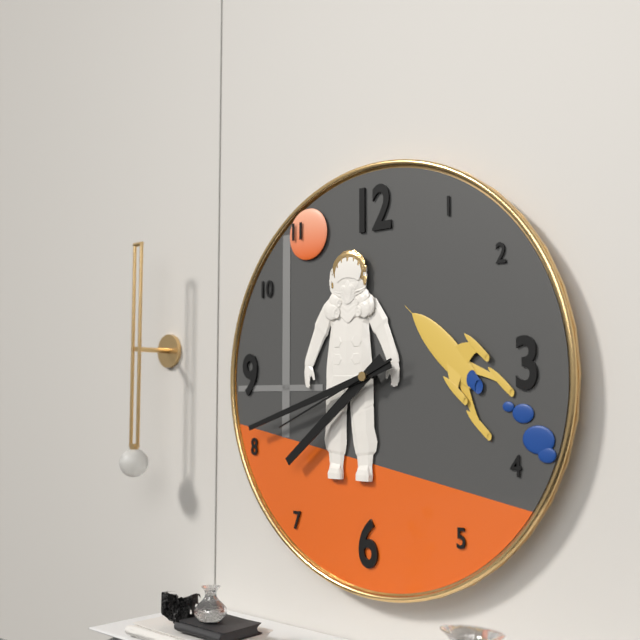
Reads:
7,42,41
